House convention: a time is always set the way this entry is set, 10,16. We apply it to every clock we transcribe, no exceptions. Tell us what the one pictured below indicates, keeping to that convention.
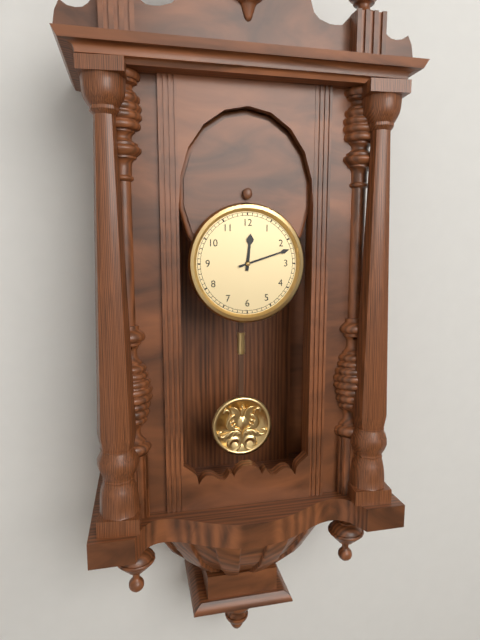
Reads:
12,12
